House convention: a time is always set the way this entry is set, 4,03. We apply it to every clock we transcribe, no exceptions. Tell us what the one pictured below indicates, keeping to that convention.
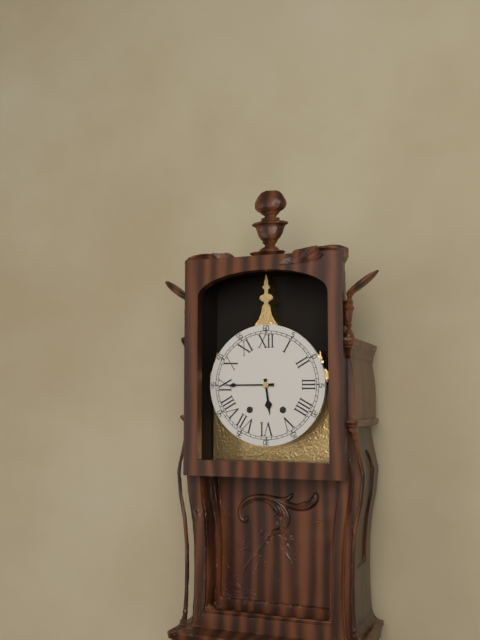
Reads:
5,45
